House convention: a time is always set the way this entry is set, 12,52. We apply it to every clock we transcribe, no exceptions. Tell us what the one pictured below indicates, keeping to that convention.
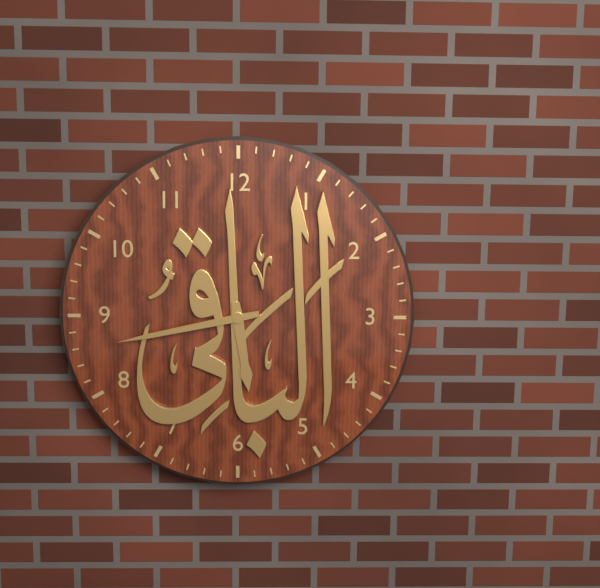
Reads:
5,43
